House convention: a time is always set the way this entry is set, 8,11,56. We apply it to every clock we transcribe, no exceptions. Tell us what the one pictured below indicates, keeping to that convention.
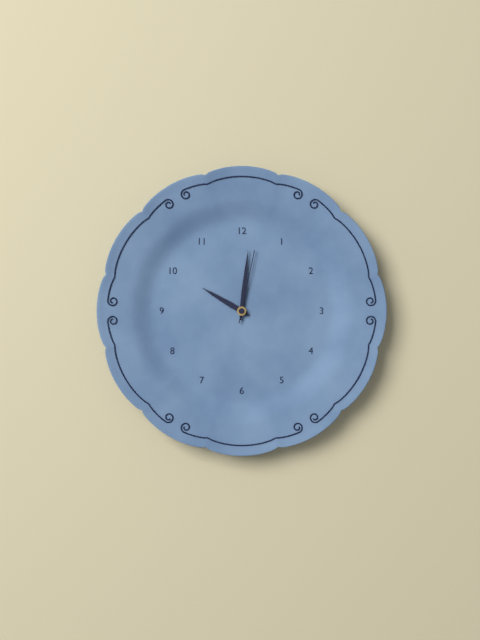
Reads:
10,01,02
